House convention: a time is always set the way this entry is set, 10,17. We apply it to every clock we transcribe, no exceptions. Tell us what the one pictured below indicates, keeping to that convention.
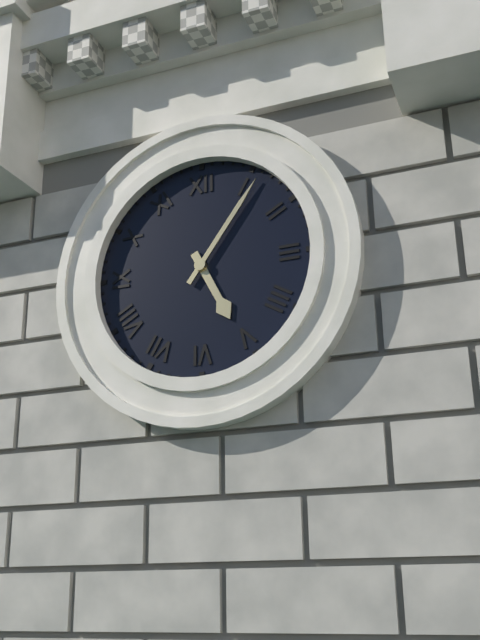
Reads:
5,06
